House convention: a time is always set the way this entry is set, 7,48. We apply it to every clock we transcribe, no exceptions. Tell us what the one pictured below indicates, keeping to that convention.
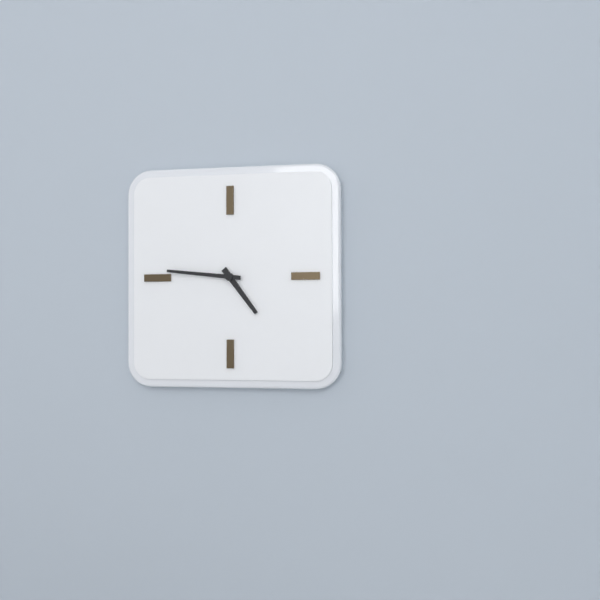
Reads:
4,46
